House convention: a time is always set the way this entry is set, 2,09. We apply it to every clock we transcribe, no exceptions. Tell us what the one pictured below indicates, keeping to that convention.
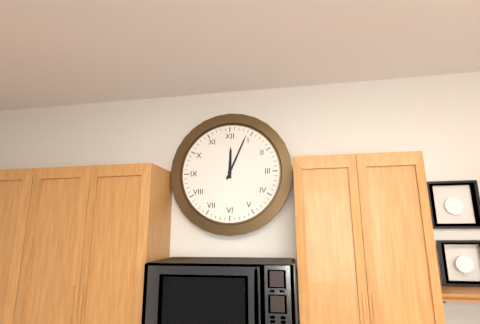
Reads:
12,04
